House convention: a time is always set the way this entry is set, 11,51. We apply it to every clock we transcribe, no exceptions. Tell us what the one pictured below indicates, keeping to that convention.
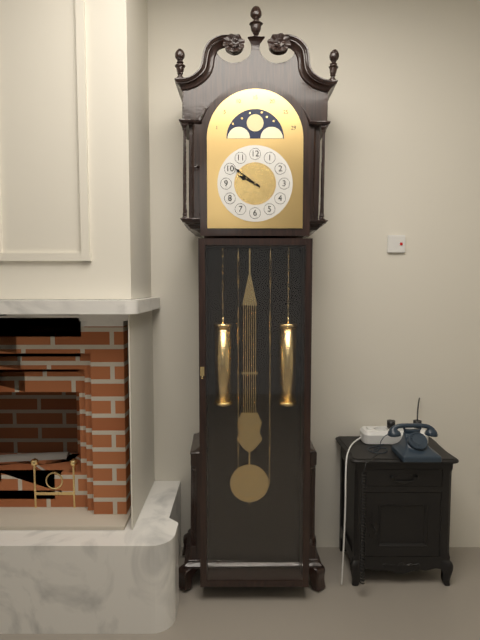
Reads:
9,51
